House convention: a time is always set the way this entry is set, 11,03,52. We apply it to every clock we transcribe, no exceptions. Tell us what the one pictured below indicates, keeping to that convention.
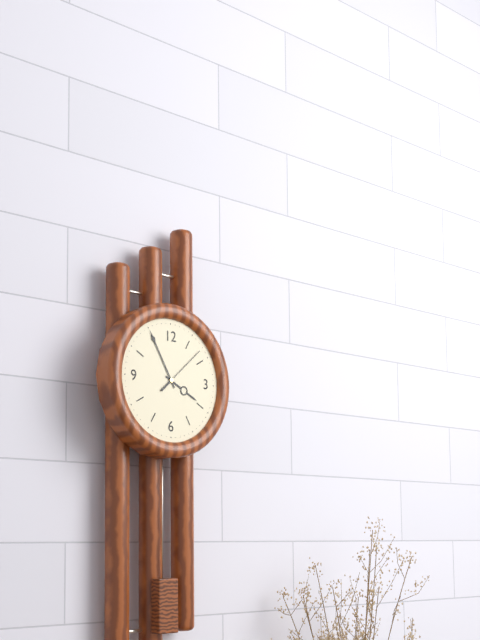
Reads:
3,55,08
